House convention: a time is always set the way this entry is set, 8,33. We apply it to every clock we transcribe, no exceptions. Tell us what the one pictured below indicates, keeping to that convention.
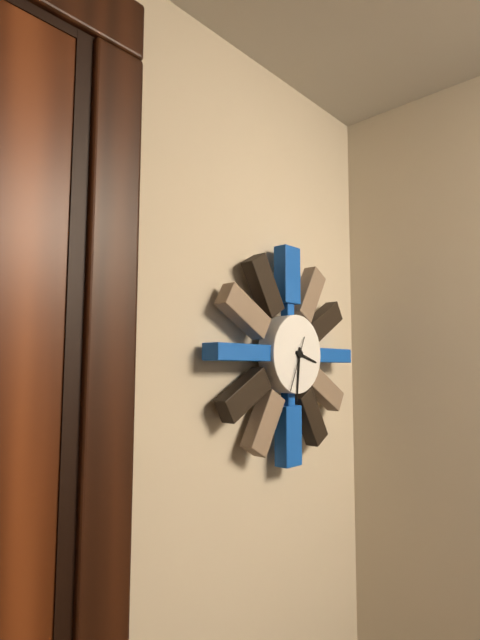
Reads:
3,31
